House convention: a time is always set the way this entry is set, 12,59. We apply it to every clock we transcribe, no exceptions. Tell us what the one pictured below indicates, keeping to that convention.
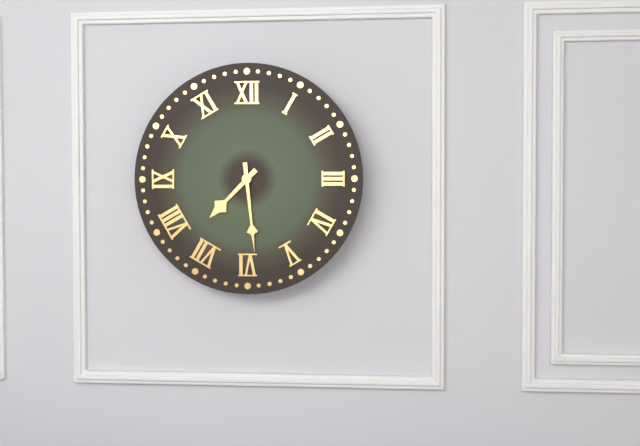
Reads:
7,29
